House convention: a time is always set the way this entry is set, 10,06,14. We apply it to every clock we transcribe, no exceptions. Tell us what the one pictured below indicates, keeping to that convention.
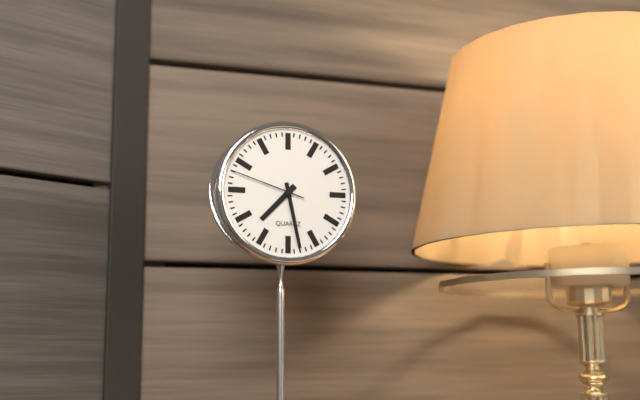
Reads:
7,28,48
